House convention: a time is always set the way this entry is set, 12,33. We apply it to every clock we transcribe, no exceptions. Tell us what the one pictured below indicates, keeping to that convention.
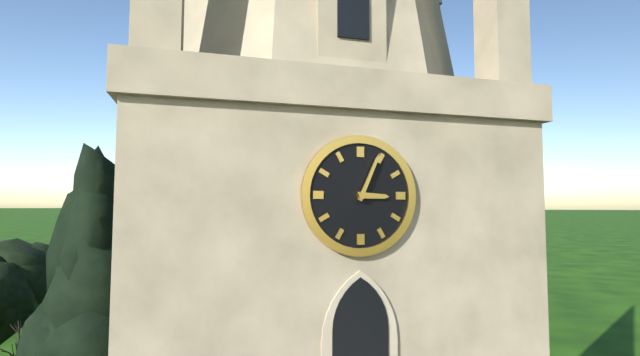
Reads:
3,04
